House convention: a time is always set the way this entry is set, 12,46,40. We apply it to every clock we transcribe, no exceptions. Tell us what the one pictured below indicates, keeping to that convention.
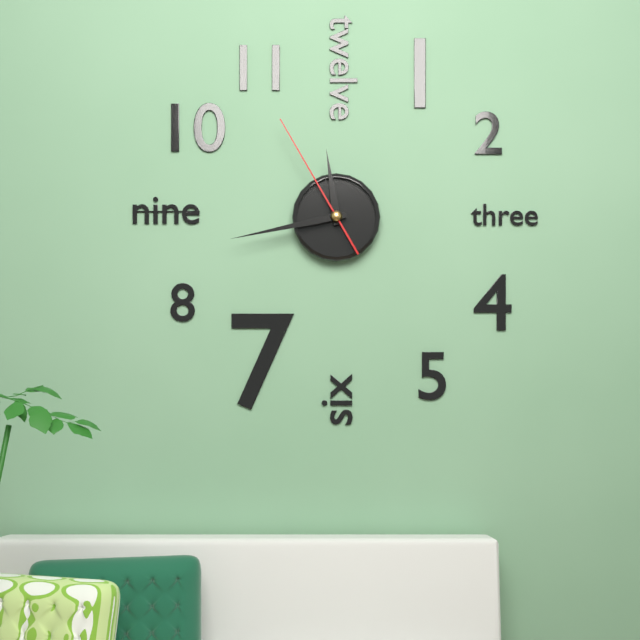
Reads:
11,43,55
